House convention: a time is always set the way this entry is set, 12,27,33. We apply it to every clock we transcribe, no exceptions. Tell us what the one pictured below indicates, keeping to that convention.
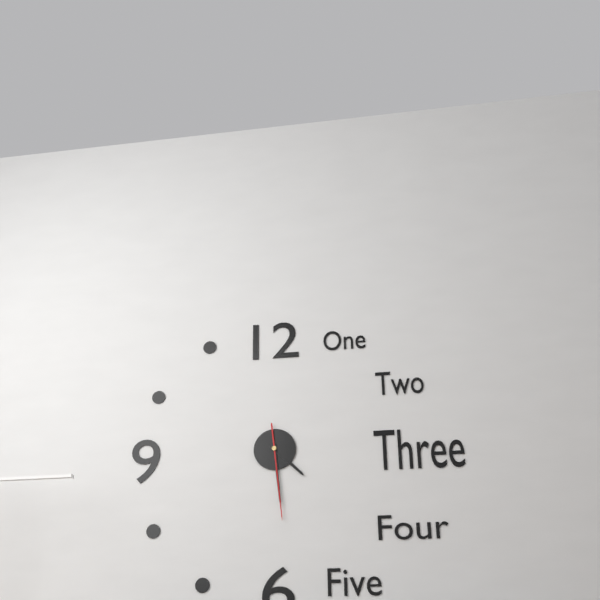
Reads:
4,29,29
